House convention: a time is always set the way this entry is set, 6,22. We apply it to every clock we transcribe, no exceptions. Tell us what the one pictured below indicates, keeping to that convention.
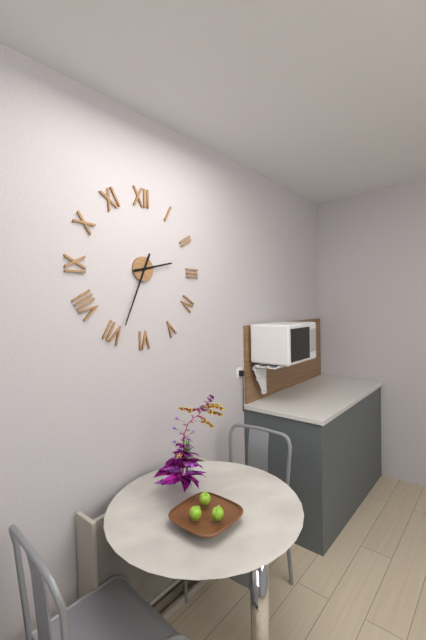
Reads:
2,34
